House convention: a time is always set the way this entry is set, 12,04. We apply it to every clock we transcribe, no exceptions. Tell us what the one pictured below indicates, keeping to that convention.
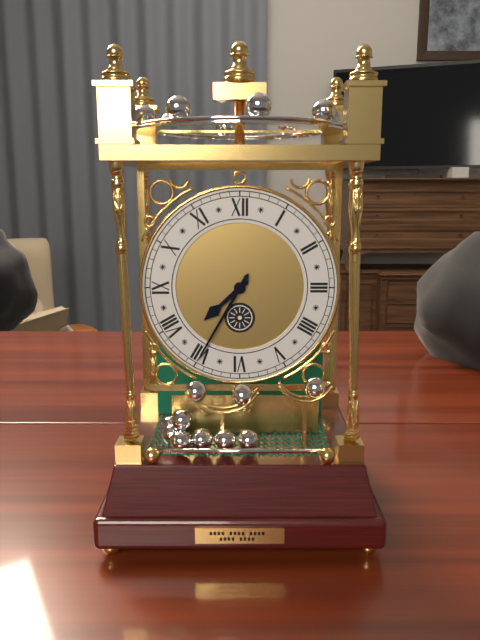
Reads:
7,35
